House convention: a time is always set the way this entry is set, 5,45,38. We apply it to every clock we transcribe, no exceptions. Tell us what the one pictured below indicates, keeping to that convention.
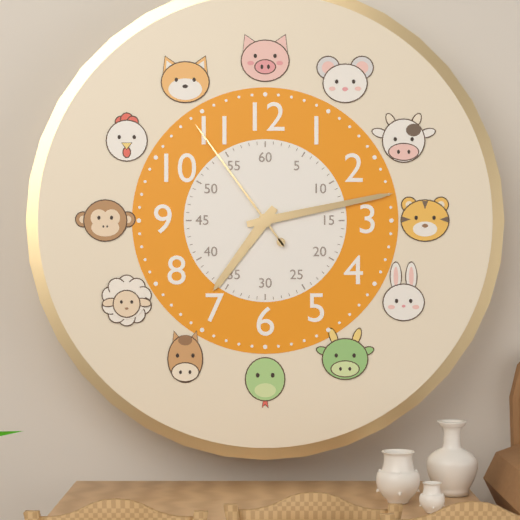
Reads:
7,13,54
